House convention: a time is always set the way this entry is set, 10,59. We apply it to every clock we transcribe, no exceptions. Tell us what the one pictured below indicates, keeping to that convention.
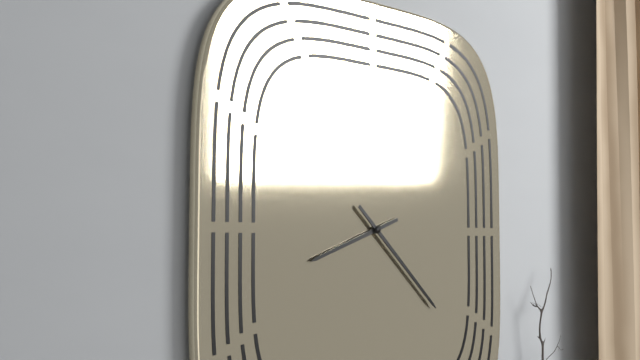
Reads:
8,22
